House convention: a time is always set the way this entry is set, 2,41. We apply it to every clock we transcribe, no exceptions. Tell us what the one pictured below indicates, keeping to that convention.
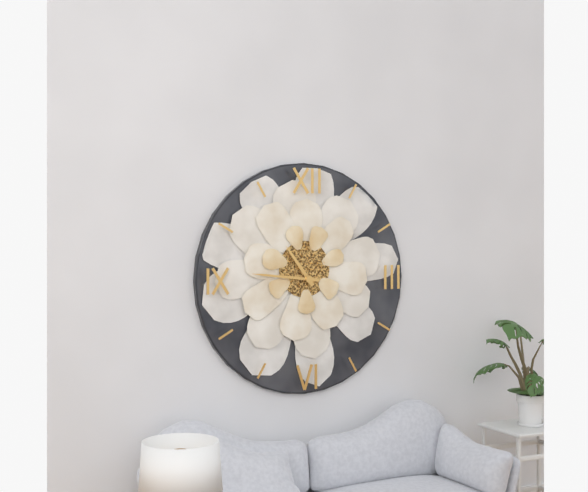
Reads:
10,46
